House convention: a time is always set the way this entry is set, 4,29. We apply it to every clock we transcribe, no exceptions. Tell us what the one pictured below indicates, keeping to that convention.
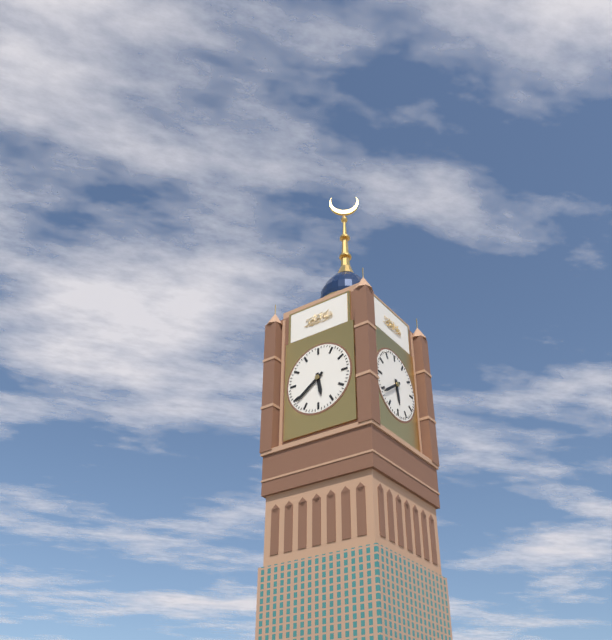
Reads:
5,39
